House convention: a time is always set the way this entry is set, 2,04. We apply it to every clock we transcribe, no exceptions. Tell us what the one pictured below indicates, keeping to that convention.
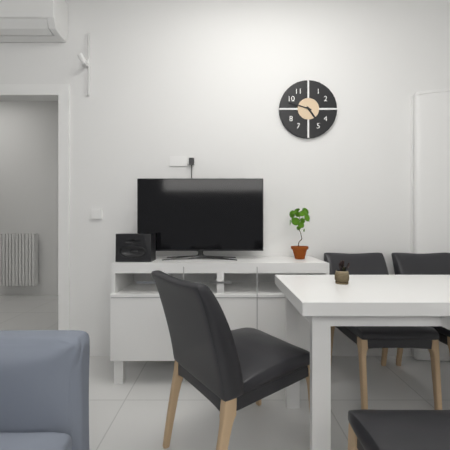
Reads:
4,48
